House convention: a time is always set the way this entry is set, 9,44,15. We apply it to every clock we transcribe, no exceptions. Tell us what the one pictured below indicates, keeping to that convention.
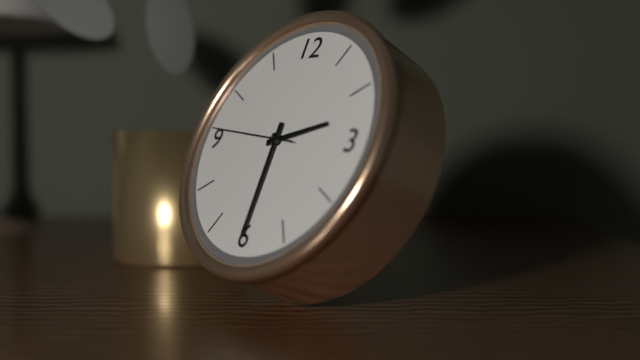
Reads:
2,30,46
